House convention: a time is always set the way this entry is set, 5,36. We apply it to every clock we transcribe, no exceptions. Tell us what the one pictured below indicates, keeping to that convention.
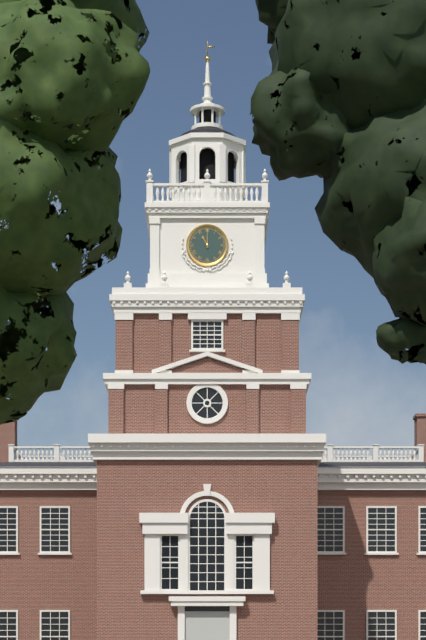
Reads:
11,00
